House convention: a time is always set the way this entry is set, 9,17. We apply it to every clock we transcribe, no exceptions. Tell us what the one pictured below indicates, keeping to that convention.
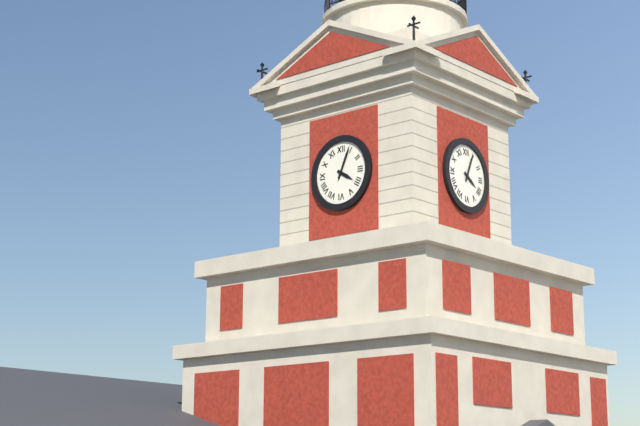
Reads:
4,04
